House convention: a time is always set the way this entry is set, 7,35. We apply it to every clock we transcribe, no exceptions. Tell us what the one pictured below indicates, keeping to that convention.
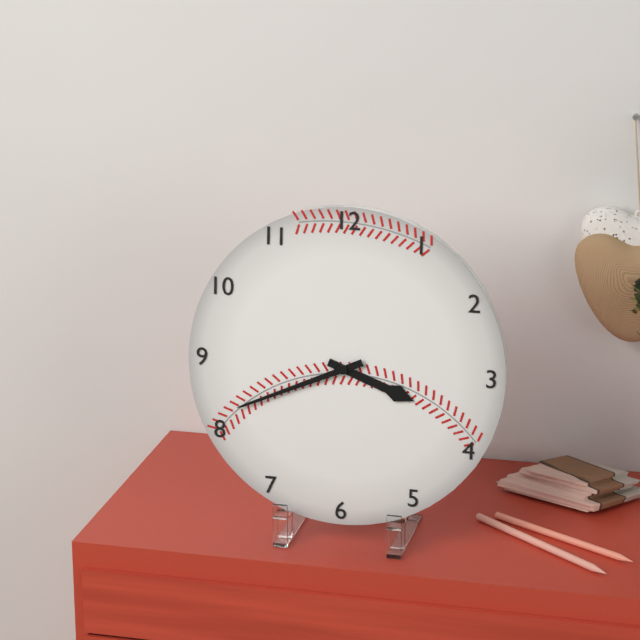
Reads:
3,41
